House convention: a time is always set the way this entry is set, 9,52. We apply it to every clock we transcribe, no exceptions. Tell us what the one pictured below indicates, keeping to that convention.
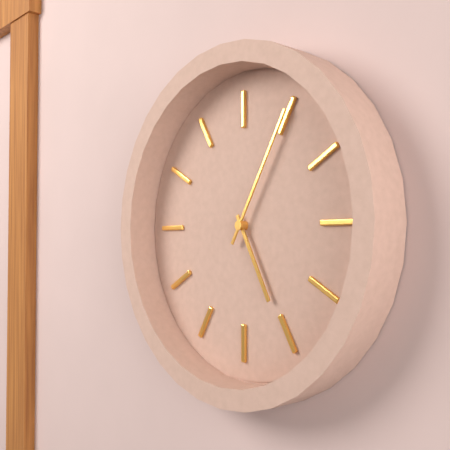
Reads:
5,05
